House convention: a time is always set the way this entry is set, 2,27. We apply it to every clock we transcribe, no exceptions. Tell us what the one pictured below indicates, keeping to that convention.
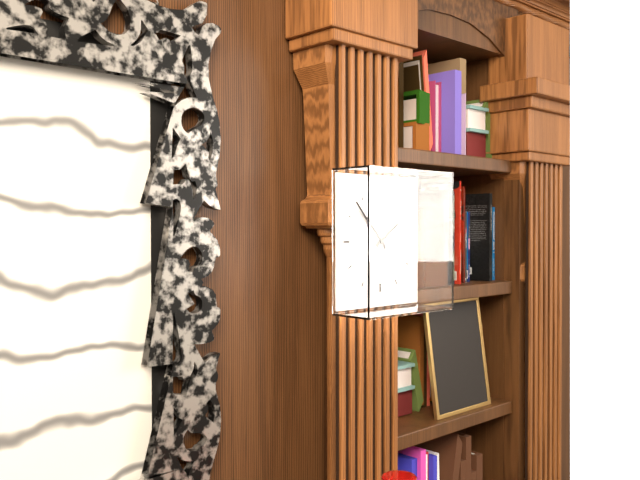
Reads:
1,53
